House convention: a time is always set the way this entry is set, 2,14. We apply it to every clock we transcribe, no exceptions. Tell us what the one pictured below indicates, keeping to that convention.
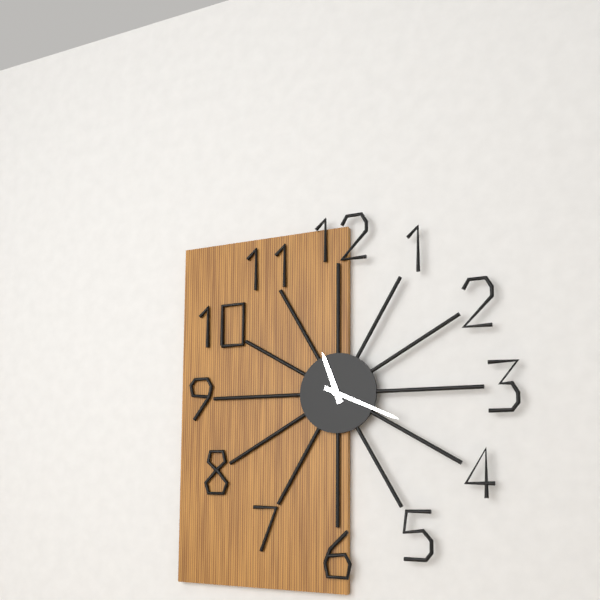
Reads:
11,19
